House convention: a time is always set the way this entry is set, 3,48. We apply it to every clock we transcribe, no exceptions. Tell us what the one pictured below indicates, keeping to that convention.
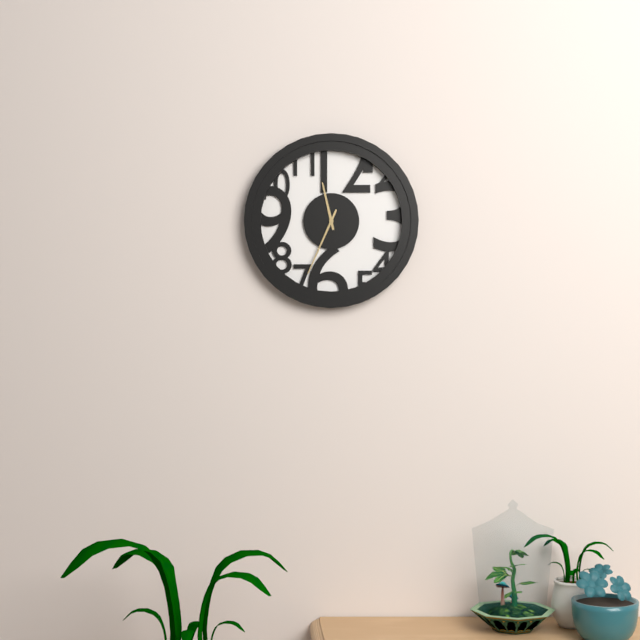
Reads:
11,34
